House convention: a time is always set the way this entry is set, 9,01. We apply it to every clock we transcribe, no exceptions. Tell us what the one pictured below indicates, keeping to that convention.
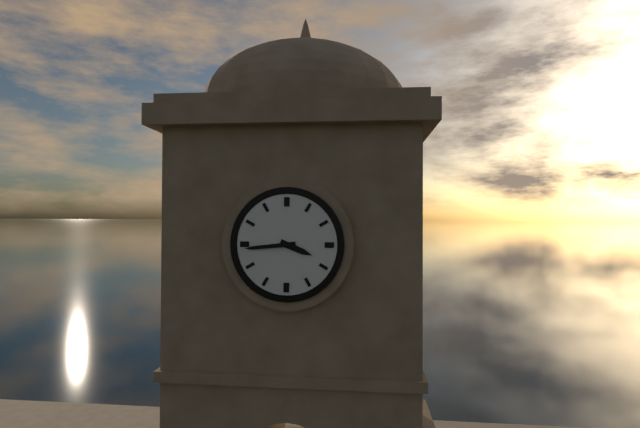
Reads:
3,44
